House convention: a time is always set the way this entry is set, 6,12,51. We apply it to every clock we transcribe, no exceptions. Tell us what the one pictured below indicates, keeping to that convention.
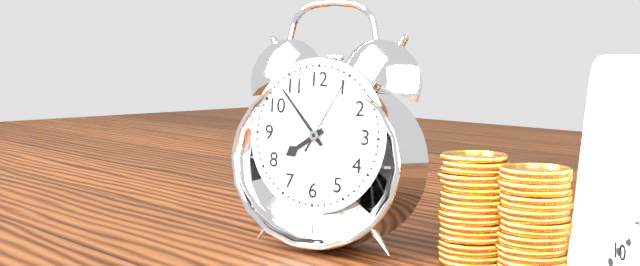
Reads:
7,53,05
